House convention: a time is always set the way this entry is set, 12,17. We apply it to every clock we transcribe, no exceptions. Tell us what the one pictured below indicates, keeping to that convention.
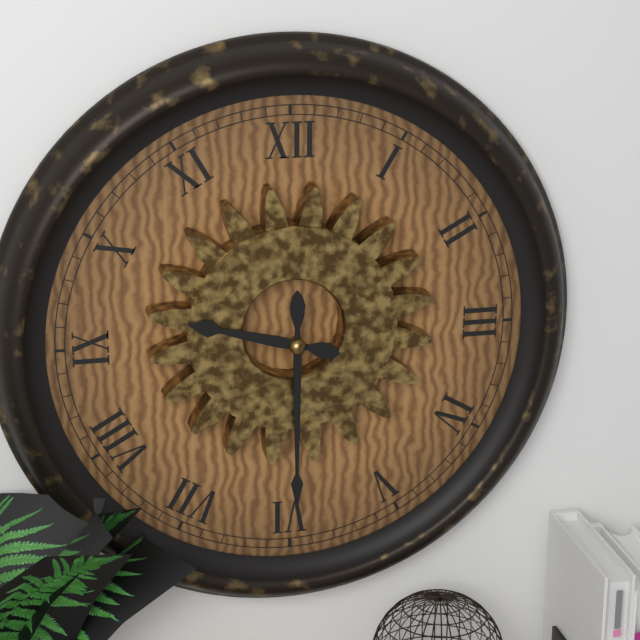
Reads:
9,30
